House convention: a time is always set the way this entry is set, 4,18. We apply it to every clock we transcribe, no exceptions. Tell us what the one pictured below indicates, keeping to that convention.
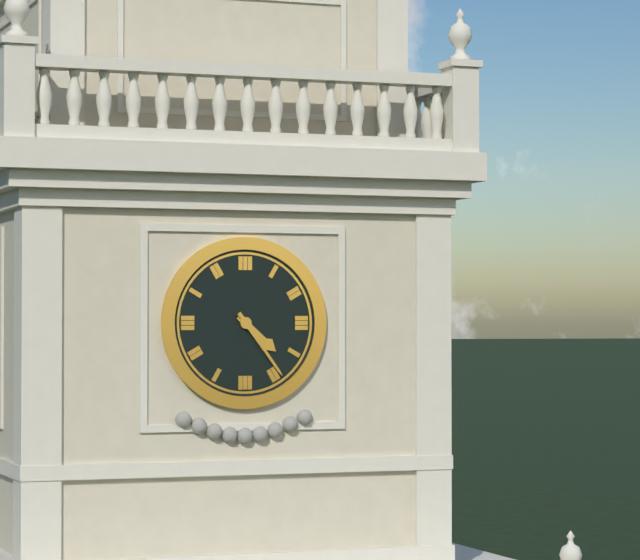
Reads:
4,24
